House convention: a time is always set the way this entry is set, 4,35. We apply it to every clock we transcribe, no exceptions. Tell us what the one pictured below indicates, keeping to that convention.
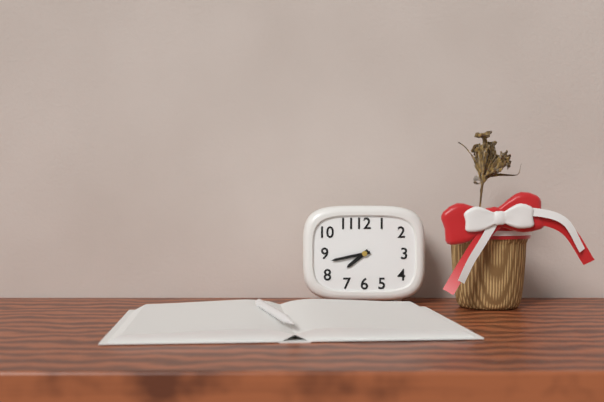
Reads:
7,43
